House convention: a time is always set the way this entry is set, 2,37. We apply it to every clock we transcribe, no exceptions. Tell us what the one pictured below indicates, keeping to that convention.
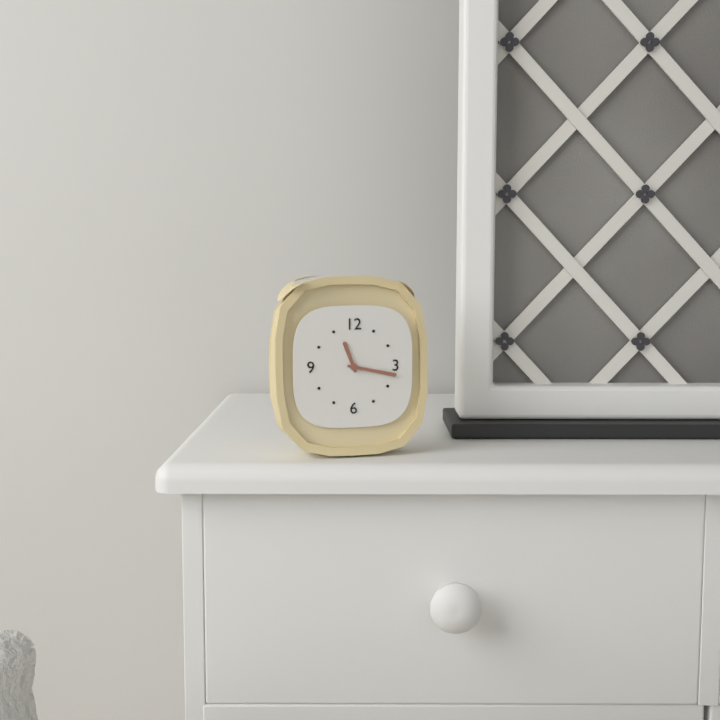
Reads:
11,17
